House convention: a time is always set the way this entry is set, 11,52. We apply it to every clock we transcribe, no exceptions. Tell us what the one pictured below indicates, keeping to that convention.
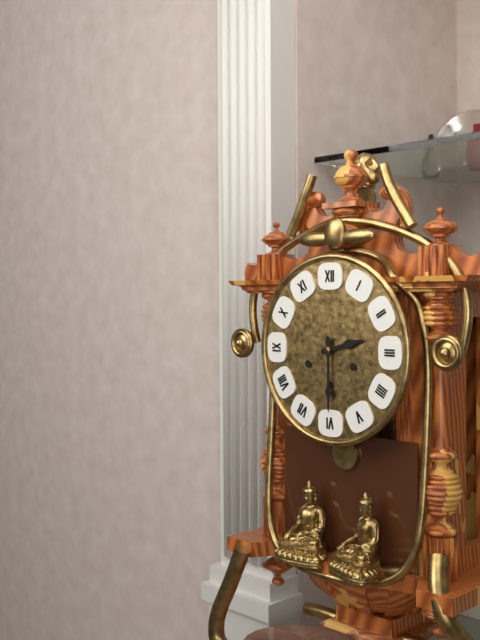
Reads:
2,30
